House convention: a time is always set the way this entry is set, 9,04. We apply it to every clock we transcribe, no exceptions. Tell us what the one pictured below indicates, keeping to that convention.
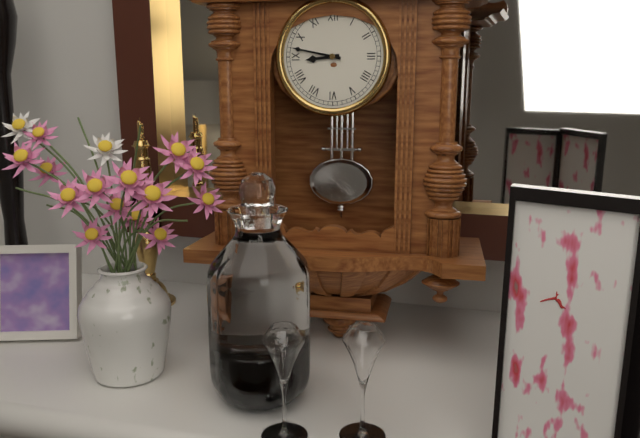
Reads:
8,47
